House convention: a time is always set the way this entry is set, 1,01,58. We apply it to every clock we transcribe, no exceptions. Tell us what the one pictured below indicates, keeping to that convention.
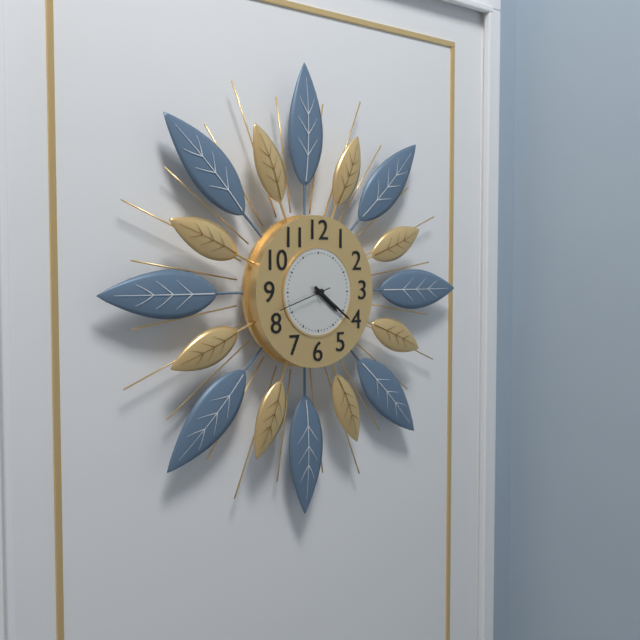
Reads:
4,21,42
